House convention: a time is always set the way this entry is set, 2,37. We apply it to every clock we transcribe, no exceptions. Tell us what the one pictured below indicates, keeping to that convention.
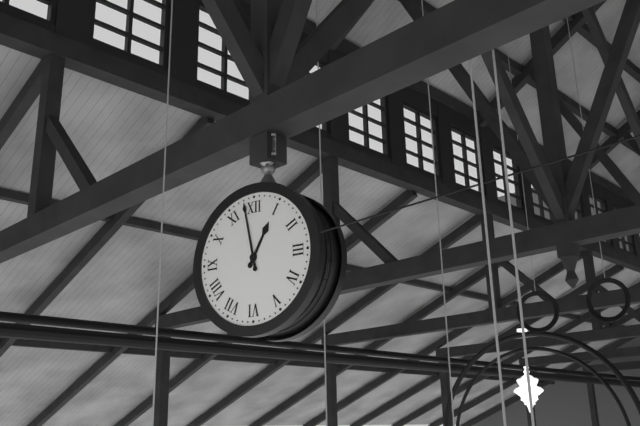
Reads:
12,58
